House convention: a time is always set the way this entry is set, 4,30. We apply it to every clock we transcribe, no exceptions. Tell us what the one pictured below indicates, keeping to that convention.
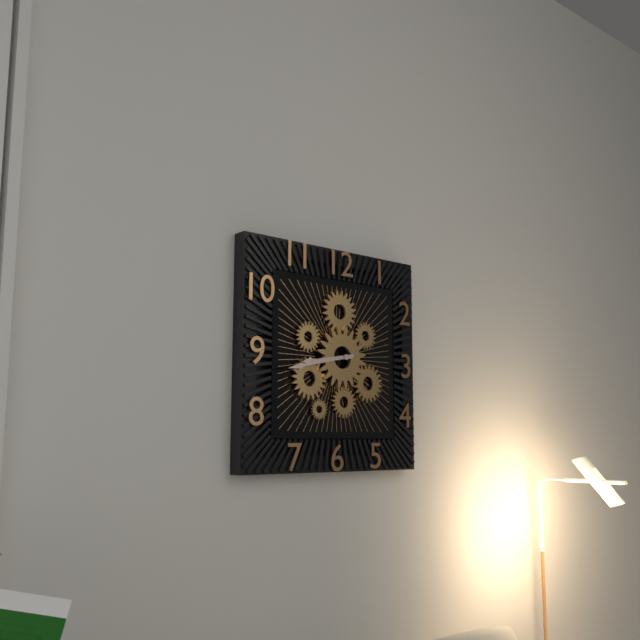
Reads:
8,43
